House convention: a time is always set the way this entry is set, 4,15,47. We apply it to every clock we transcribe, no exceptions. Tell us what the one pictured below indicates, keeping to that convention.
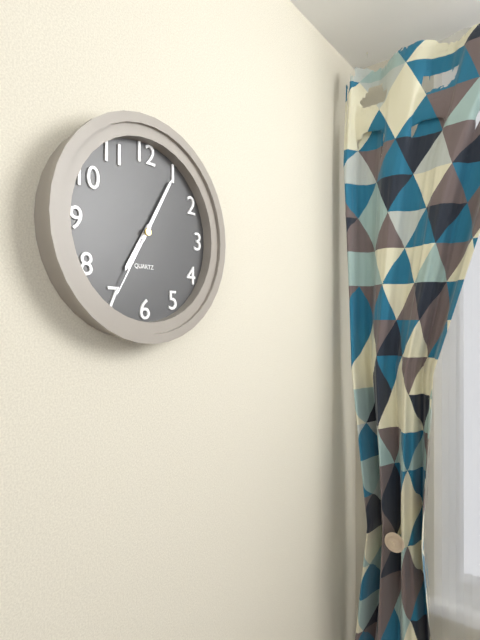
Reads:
7,05,35
